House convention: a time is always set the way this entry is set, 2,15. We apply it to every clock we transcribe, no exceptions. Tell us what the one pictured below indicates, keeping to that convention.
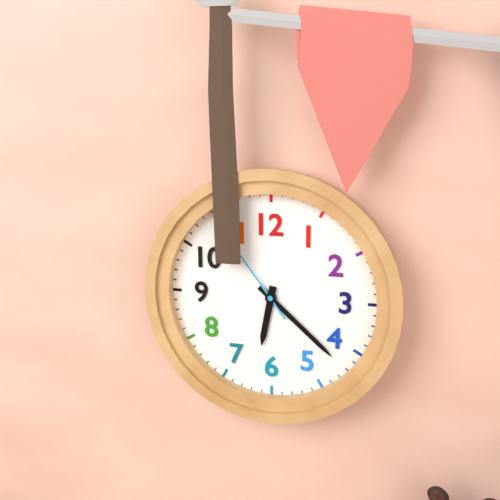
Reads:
6,22
